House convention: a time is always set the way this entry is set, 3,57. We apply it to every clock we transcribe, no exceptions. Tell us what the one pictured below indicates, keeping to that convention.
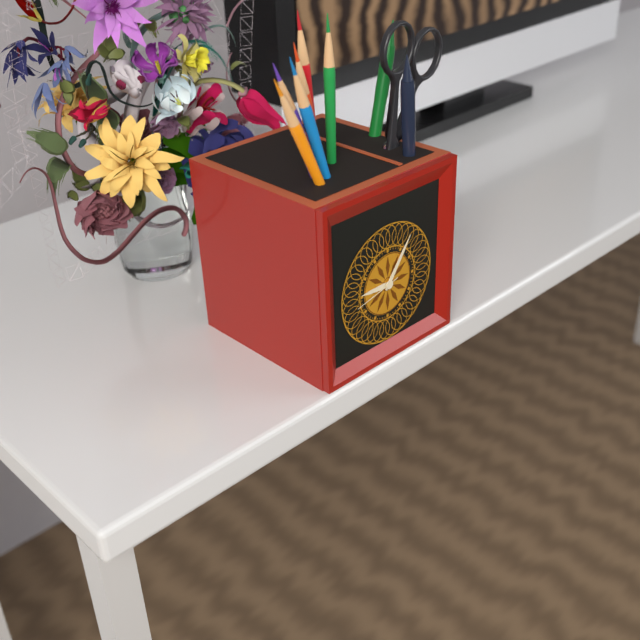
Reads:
9,06
